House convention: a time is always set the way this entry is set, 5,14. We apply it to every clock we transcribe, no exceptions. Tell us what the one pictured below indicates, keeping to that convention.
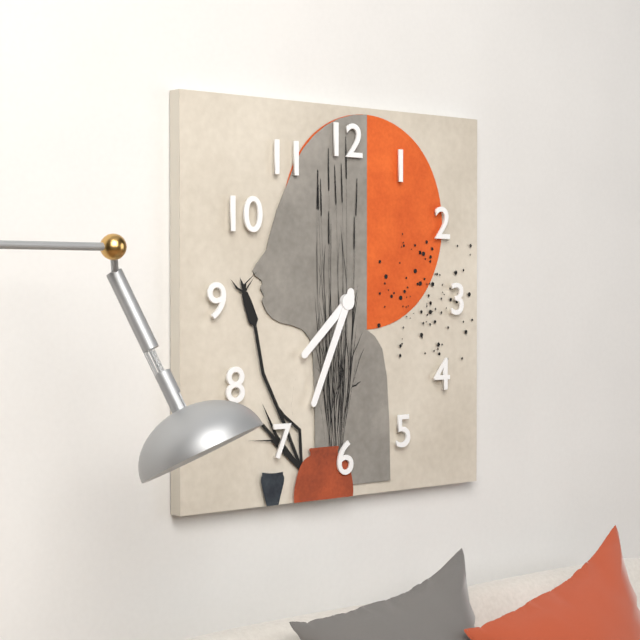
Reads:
7,34
